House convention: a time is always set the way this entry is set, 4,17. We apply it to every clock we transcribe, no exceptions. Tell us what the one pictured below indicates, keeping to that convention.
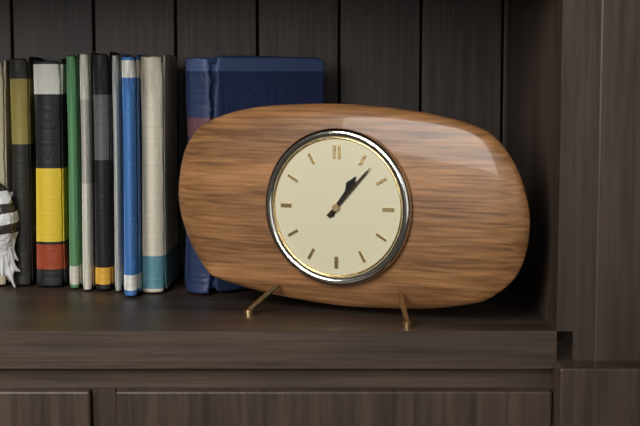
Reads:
1,07
